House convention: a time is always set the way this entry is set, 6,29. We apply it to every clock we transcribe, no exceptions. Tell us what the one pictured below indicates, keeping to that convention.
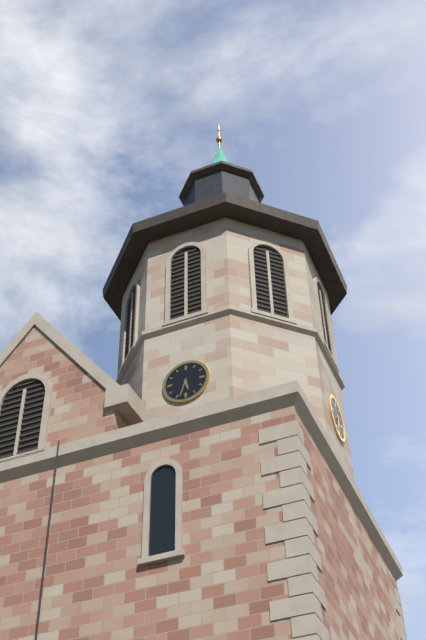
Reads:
5,33
